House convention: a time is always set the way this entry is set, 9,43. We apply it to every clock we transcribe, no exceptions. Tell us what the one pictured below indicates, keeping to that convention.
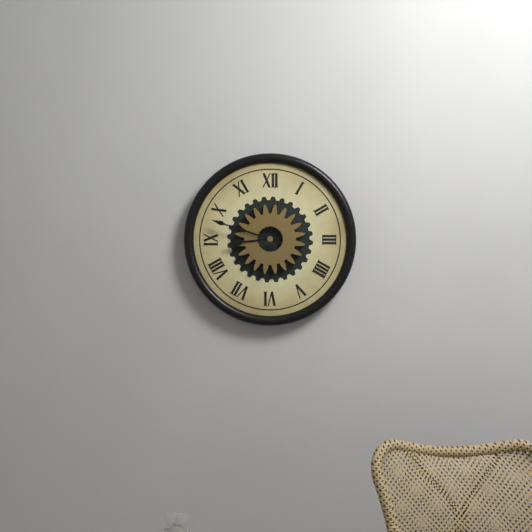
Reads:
8,48
